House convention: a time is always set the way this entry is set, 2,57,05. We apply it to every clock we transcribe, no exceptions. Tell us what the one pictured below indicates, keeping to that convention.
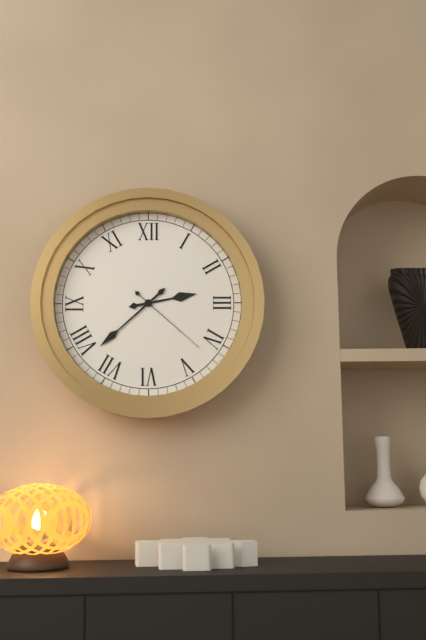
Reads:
2,38,22
